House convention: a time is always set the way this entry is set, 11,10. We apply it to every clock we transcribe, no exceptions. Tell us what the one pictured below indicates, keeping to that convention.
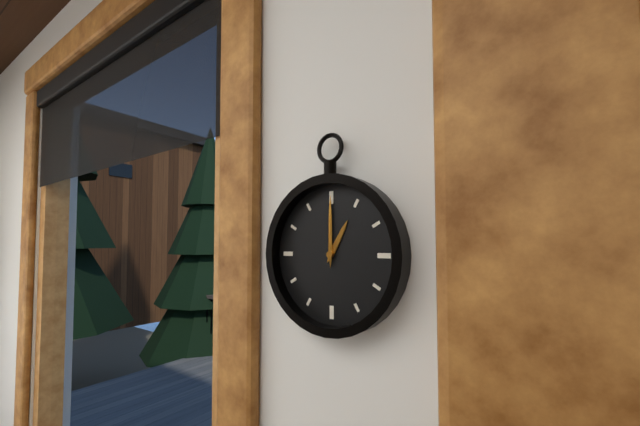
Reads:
1,00
